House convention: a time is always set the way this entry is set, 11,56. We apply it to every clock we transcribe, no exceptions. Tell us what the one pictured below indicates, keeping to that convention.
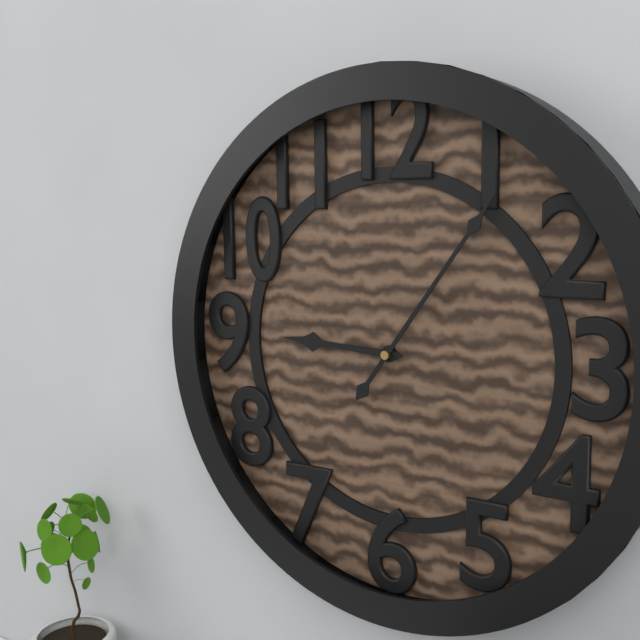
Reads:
9,06
